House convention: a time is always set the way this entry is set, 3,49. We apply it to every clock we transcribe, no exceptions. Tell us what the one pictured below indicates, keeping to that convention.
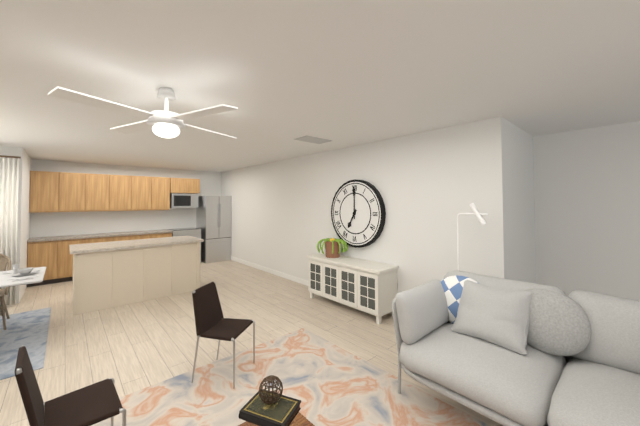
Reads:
7,00
